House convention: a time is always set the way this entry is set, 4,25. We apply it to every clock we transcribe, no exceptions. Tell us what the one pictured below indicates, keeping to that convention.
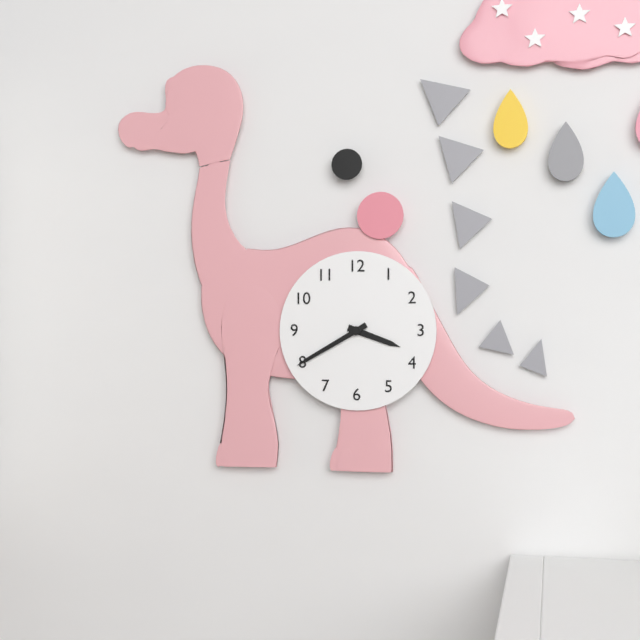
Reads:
3,40
